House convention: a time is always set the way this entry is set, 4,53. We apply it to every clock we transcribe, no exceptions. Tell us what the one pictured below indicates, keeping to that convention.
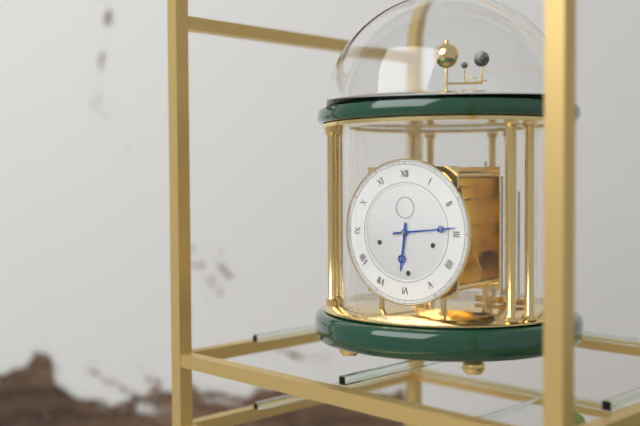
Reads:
6,14
